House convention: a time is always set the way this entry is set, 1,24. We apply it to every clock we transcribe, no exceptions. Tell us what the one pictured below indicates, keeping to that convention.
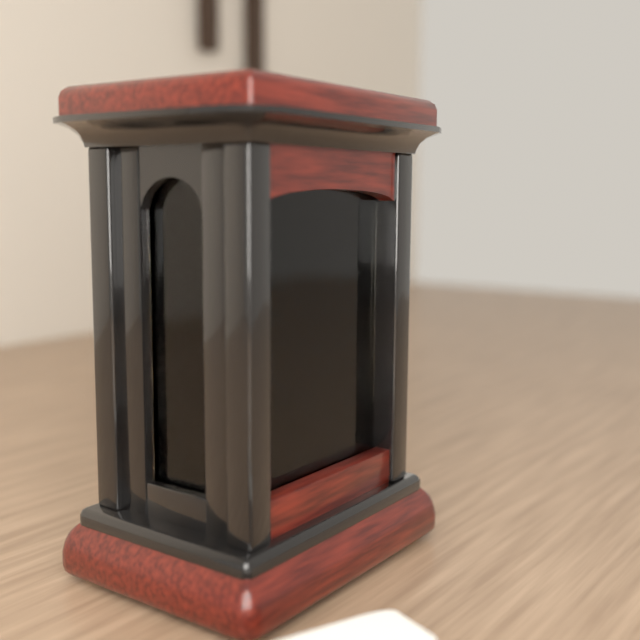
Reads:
7,31
